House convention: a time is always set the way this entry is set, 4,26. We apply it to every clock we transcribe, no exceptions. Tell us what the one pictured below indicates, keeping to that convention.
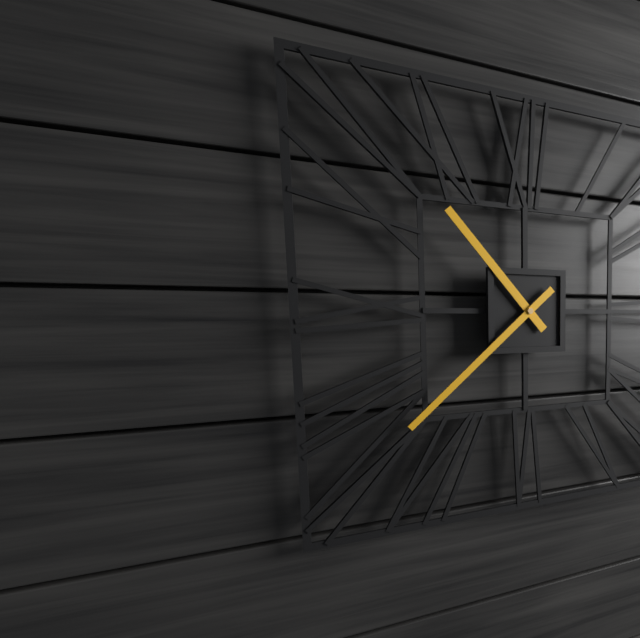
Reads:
10,38
